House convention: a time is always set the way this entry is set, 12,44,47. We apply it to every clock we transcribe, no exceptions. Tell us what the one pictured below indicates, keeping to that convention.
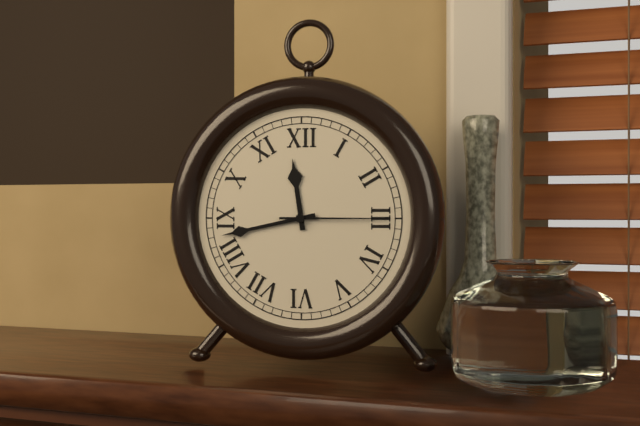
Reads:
11,43,15
